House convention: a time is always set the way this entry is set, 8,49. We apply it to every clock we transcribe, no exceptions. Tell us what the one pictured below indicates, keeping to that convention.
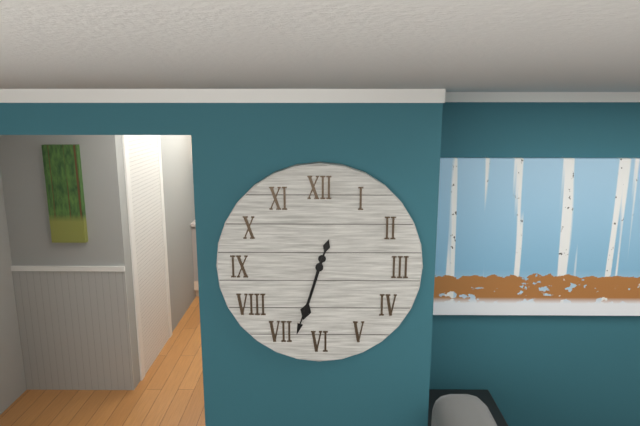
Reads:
6,33
